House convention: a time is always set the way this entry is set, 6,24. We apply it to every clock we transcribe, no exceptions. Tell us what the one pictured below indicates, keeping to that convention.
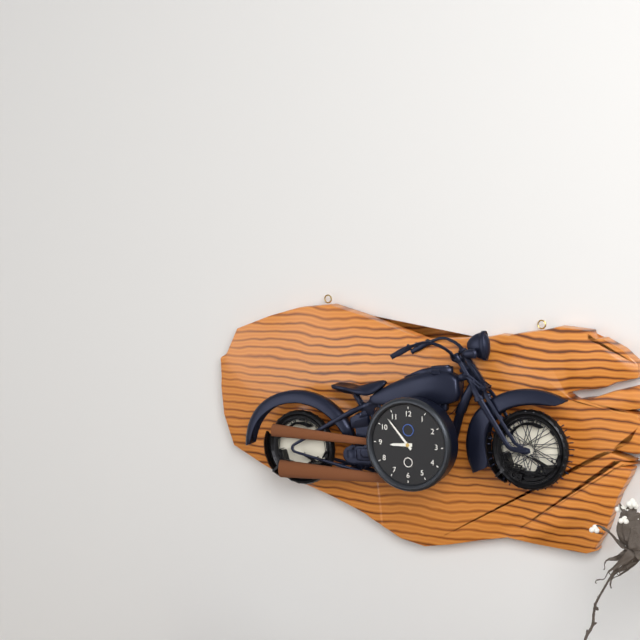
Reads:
8,53
